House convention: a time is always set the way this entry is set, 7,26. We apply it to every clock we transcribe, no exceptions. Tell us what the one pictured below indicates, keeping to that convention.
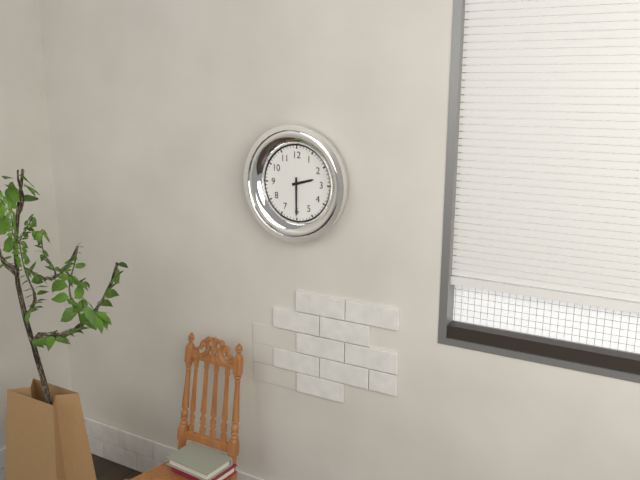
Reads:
2,30
